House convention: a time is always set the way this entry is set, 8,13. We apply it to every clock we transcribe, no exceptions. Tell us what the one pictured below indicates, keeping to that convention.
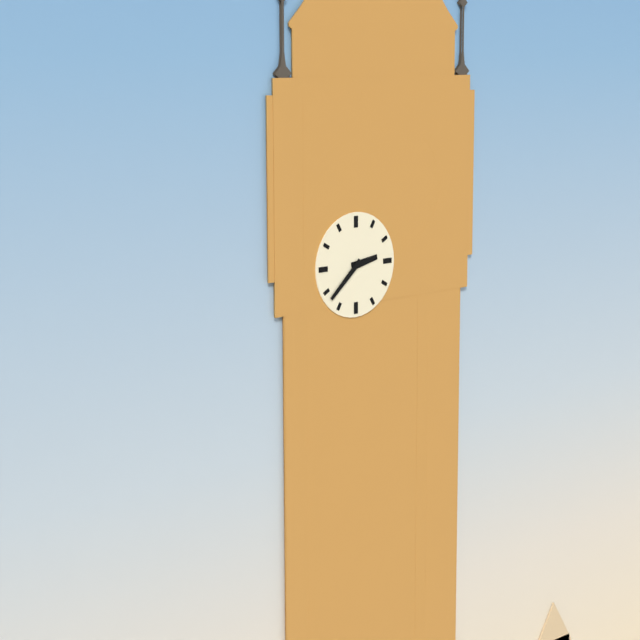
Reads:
2,38
